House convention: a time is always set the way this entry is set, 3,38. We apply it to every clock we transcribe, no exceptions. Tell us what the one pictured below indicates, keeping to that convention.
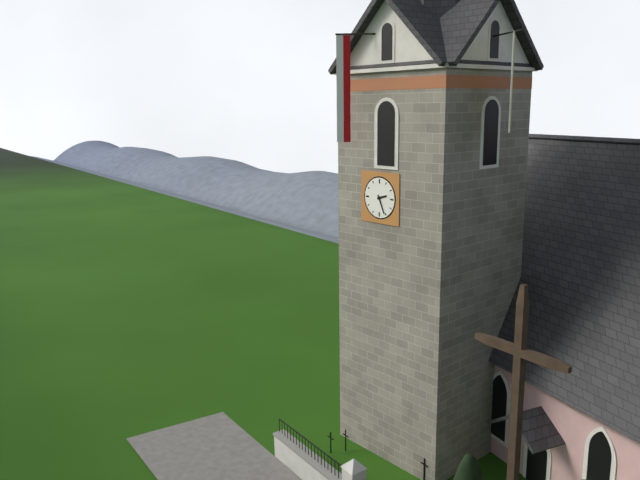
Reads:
2,26
